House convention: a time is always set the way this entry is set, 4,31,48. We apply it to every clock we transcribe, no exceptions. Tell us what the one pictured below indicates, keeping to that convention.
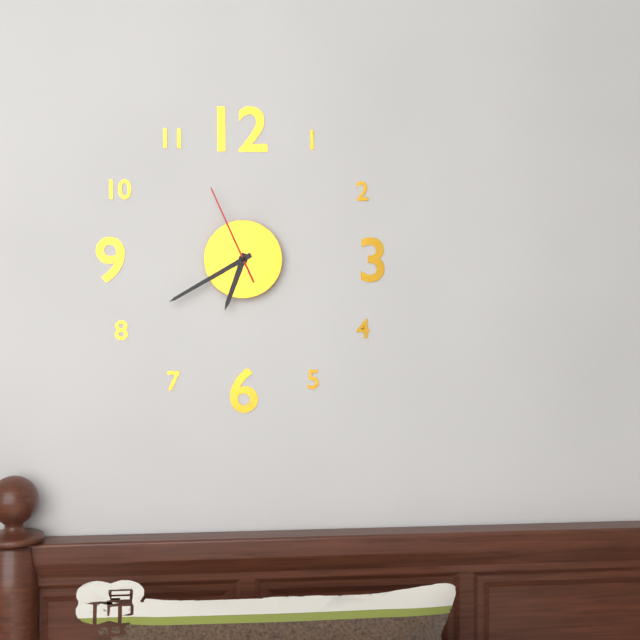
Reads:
6,40,56
